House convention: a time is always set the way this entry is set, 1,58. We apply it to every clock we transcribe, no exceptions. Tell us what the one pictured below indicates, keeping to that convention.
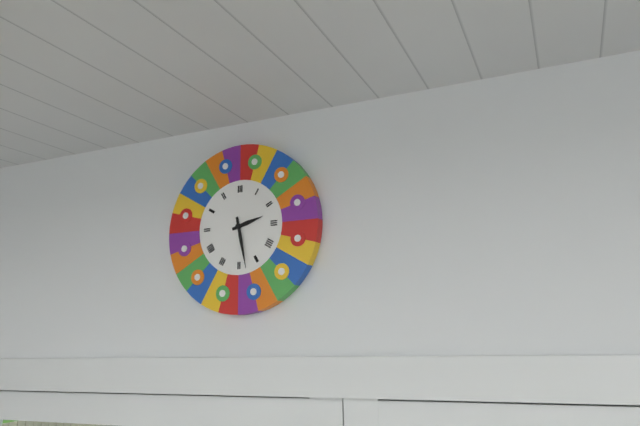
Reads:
2,28
